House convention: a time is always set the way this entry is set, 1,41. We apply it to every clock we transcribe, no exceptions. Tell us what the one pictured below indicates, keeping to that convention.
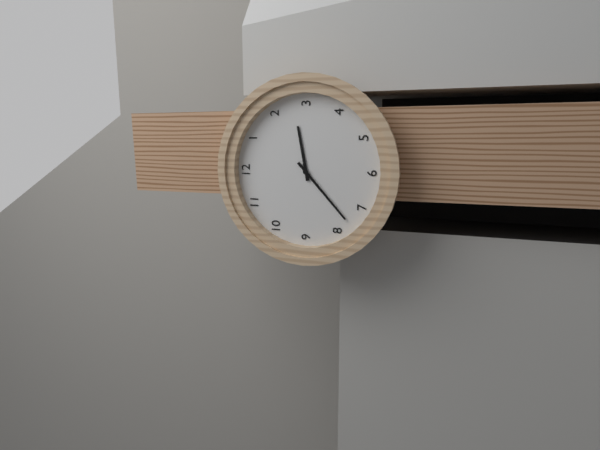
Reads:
2,38
